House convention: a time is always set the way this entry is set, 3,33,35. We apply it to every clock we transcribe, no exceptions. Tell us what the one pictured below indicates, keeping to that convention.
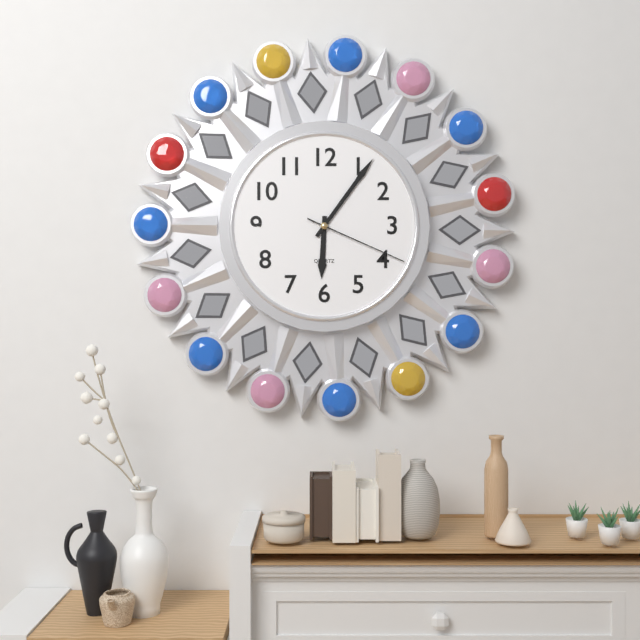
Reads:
6,06,19
